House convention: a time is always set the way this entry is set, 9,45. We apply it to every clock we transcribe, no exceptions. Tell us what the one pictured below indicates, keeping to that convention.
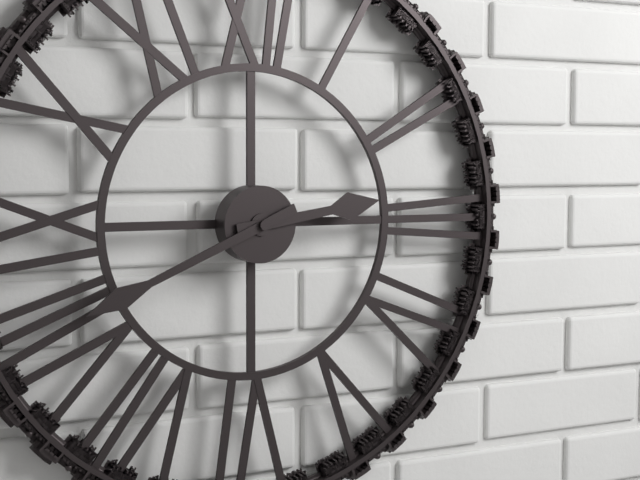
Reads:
2,41
